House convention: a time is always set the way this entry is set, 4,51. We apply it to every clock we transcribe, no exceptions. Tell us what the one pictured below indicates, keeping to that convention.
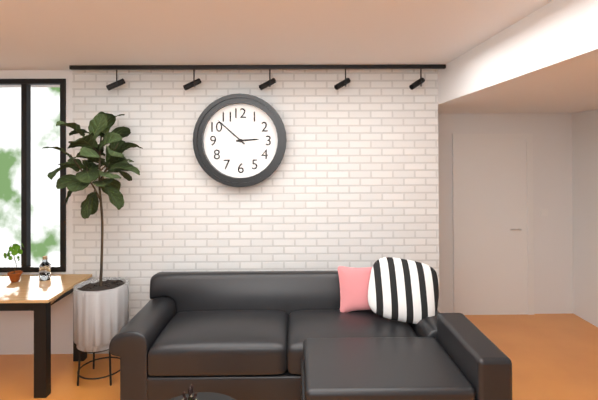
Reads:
2,52
